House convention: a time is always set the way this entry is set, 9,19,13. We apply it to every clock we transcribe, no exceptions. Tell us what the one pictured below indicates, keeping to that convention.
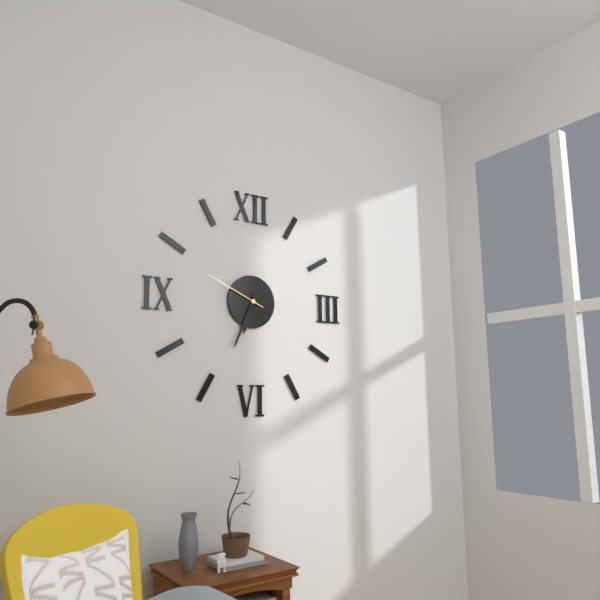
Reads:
6,34,49
